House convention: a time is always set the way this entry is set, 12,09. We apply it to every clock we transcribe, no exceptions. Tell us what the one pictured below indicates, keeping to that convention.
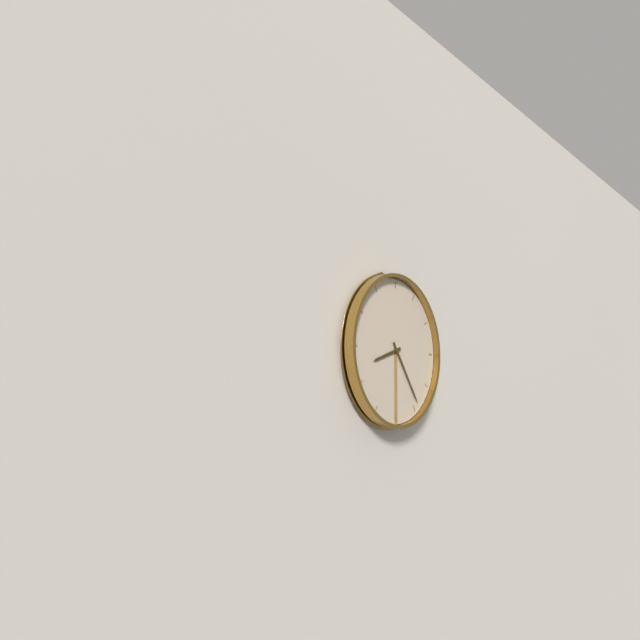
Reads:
8,24
